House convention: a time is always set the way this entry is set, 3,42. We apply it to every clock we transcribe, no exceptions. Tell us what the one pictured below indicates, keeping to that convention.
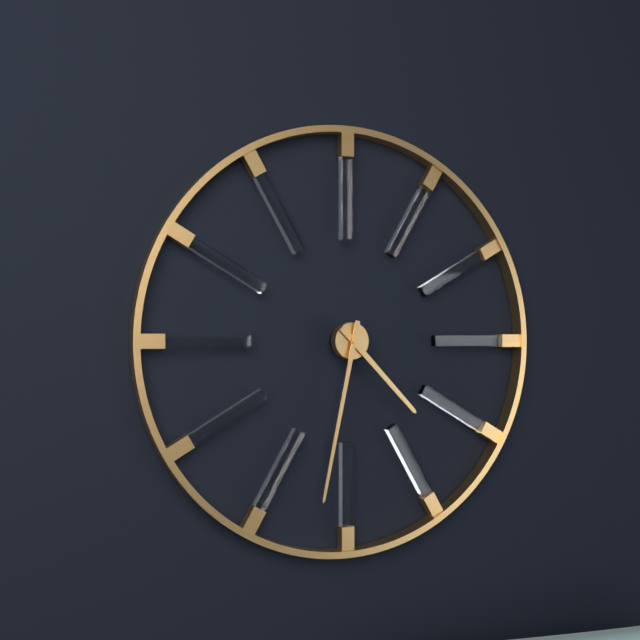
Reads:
4,32
